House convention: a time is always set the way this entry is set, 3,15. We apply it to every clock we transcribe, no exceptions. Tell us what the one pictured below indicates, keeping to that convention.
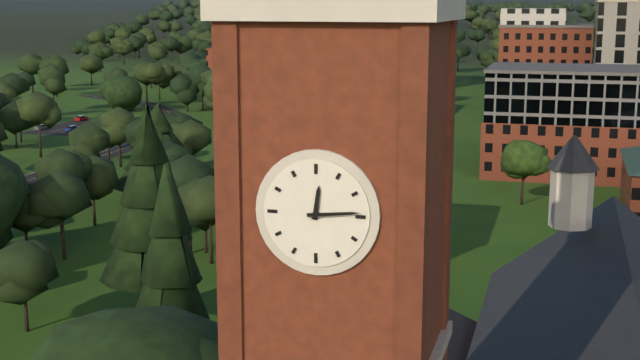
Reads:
12,14
